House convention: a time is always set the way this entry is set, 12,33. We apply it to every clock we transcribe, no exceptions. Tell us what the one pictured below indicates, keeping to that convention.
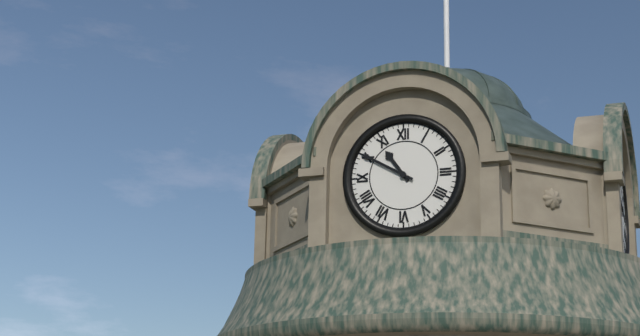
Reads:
10,50
